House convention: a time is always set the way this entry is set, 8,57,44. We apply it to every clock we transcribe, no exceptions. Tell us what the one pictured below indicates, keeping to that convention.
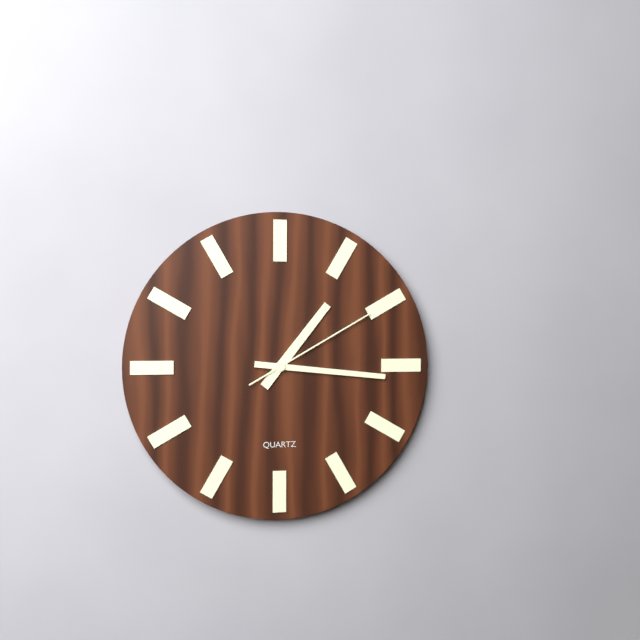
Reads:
1,16,10
